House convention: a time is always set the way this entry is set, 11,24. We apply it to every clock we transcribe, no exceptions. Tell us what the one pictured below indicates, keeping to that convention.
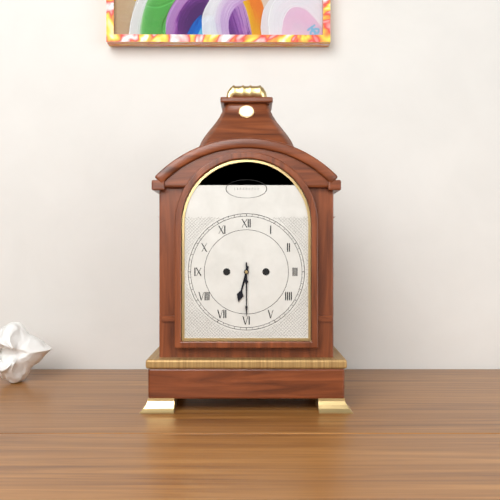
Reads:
6,30
